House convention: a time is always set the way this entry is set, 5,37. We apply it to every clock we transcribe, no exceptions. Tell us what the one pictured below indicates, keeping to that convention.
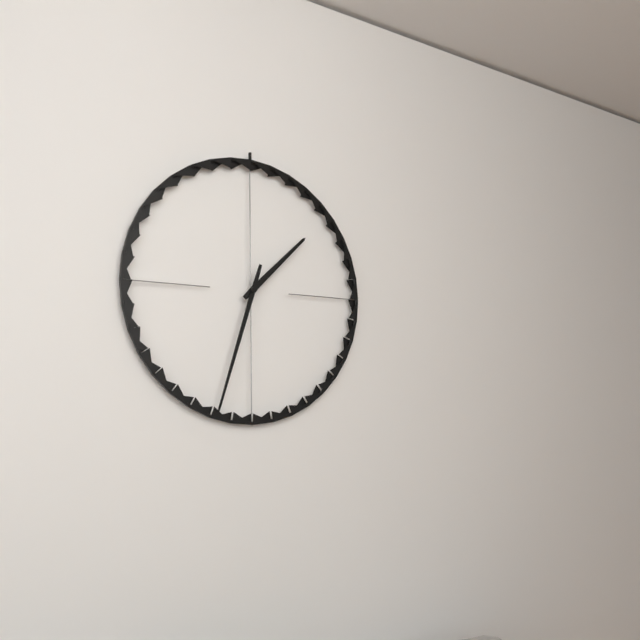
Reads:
1,33
